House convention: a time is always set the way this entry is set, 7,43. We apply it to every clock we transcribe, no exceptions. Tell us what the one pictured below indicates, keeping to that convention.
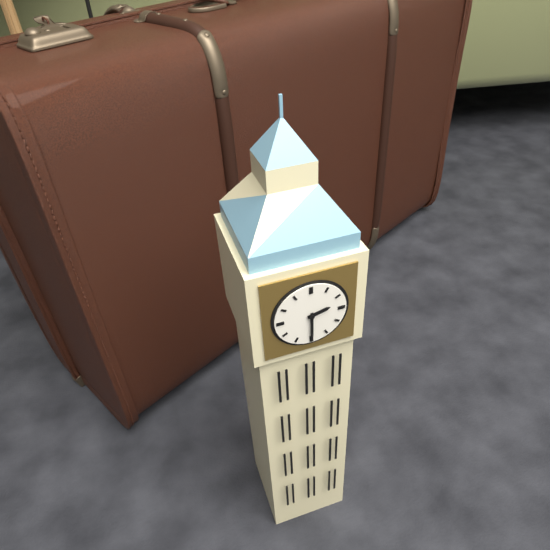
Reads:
2,30
